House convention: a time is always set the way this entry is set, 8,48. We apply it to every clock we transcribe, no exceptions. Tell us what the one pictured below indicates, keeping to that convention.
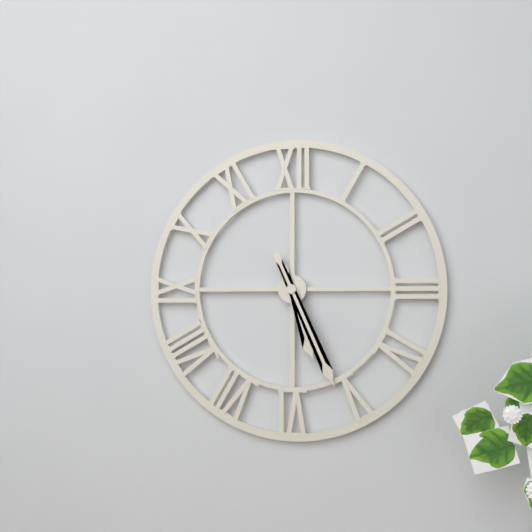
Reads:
5,26
